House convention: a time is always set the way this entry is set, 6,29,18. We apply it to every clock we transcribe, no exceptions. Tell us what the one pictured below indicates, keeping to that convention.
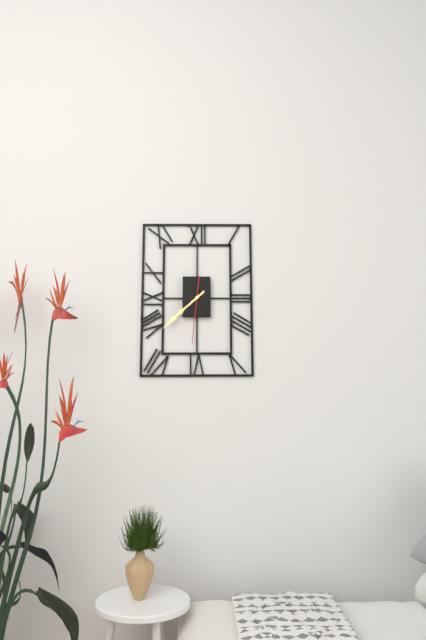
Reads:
7,38,31
